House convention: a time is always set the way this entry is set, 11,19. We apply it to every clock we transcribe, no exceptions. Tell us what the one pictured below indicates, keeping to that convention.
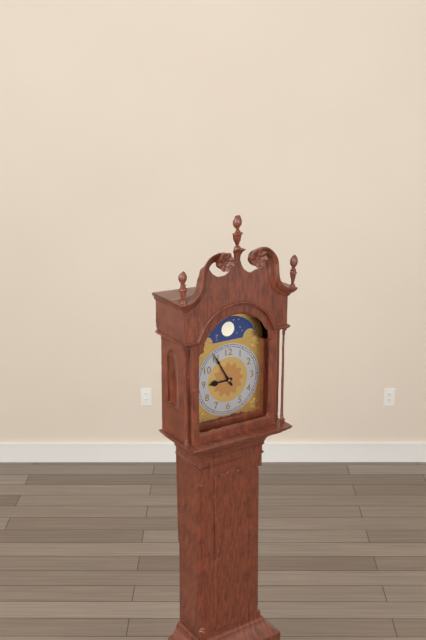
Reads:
8,55
